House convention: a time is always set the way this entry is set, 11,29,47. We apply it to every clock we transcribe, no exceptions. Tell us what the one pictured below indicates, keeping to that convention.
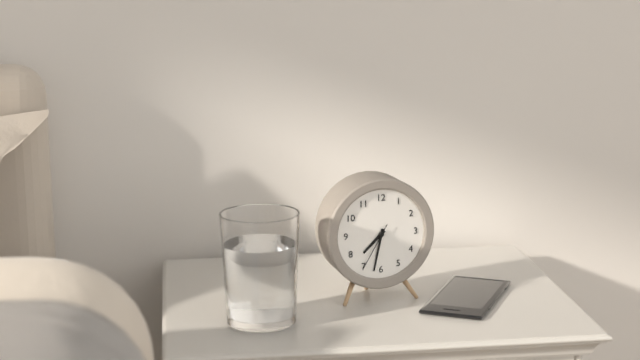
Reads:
7,32,35
